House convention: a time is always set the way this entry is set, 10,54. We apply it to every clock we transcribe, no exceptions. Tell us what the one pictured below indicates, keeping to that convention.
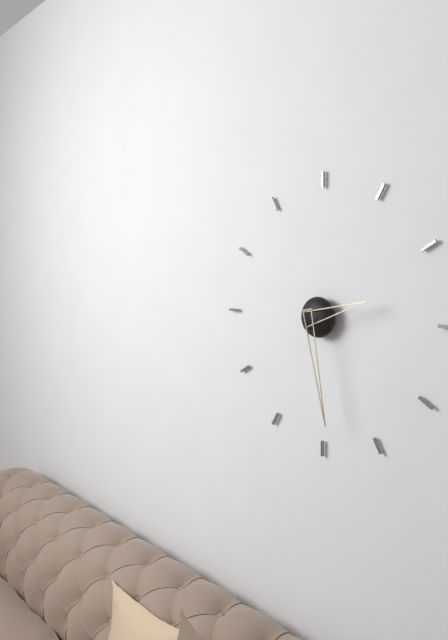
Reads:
2,28
